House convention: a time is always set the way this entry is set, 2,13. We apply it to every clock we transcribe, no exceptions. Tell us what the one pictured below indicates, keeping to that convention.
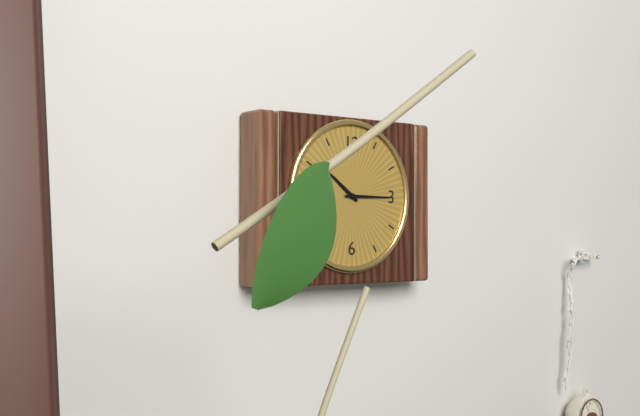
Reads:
10,15
